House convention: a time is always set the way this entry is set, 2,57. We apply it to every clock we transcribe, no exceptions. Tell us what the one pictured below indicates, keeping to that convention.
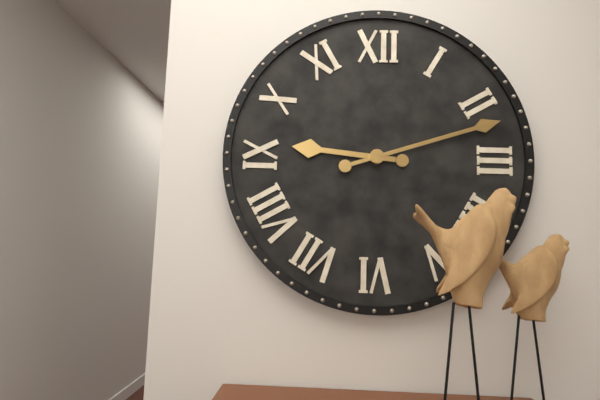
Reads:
9,12
